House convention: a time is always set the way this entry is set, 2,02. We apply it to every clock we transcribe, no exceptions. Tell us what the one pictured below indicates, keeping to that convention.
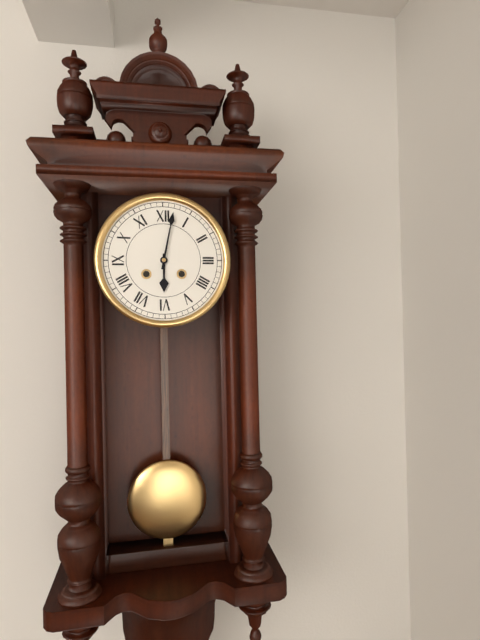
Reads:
6,02
